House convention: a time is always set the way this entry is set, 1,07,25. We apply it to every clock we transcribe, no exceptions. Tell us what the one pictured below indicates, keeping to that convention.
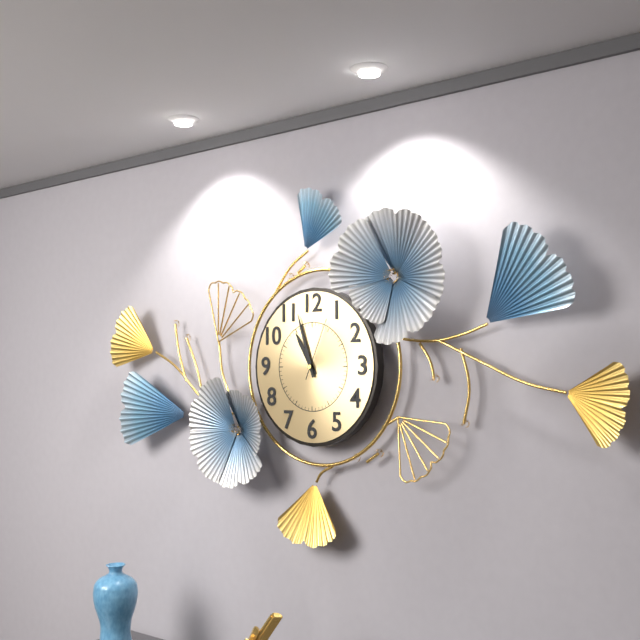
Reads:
10,57,04
